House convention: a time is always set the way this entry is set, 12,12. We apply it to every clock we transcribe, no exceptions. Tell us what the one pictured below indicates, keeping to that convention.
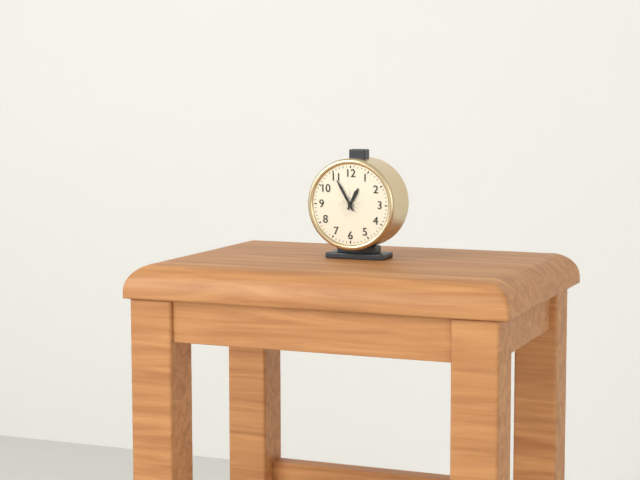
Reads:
12,55
